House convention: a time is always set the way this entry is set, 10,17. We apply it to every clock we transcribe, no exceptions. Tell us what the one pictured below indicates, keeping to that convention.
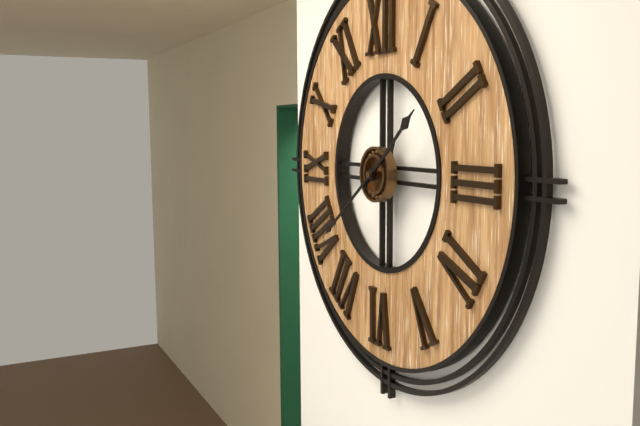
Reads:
1,39
